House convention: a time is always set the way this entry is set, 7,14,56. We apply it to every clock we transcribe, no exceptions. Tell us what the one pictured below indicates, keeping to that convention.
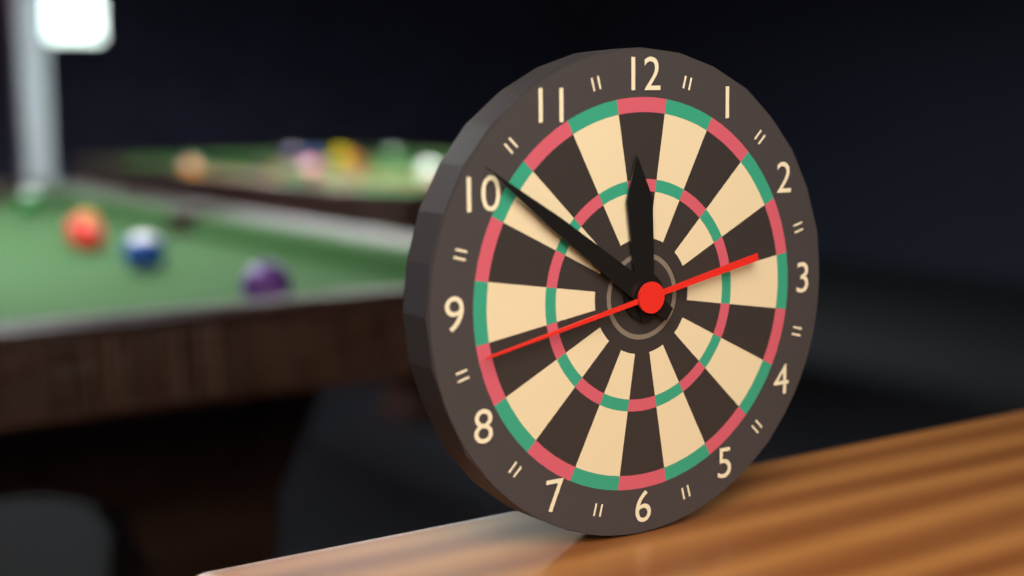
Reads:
11,51,43
